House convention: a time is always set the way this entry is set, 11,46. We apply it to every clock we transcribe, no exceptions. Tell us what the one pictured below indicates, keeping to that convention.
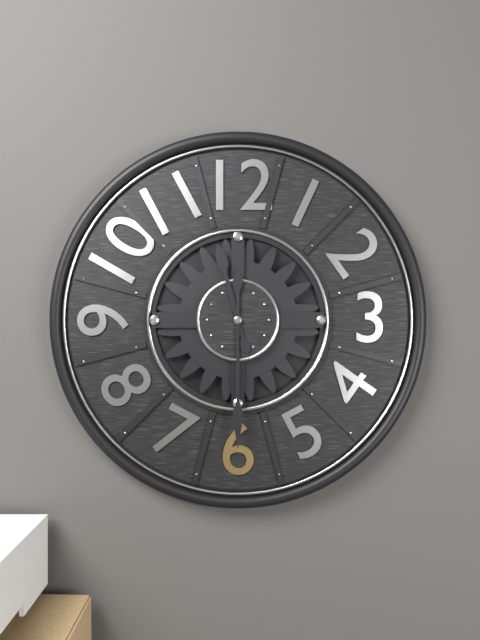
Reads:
11,30
